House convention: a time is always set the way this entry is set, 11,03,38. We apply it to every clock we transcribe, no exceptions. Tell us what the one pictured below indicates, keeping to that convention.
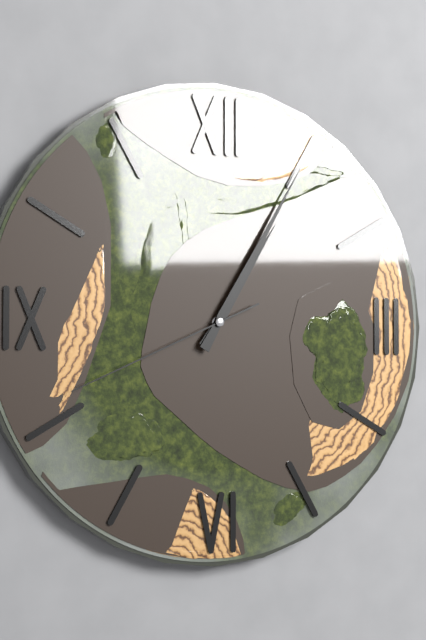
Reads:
1,05,41
